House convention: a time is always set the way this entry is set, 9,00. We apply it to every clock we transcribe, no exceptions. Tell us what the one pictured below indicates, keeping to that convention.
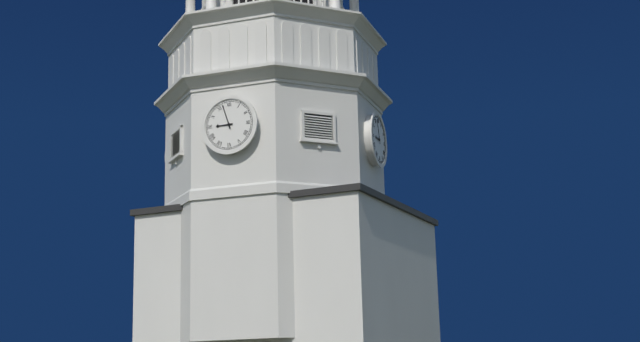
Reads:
8,57
